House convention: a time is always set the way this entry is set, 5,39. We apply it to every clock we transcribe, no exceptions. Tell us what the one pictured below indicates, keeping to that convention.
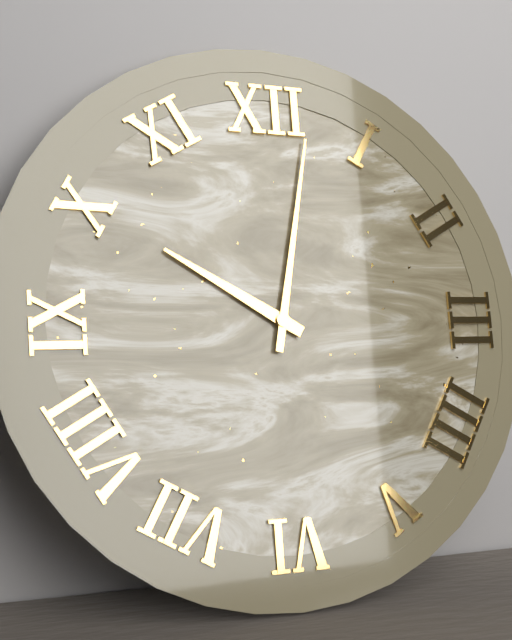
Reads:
10,02
